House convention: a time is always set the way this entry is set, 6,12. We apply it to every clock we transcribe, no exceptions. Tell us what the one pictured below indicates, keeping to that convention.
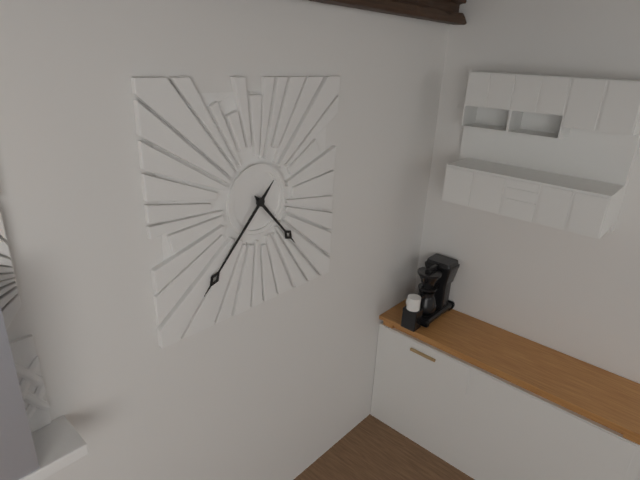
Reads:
4,37
